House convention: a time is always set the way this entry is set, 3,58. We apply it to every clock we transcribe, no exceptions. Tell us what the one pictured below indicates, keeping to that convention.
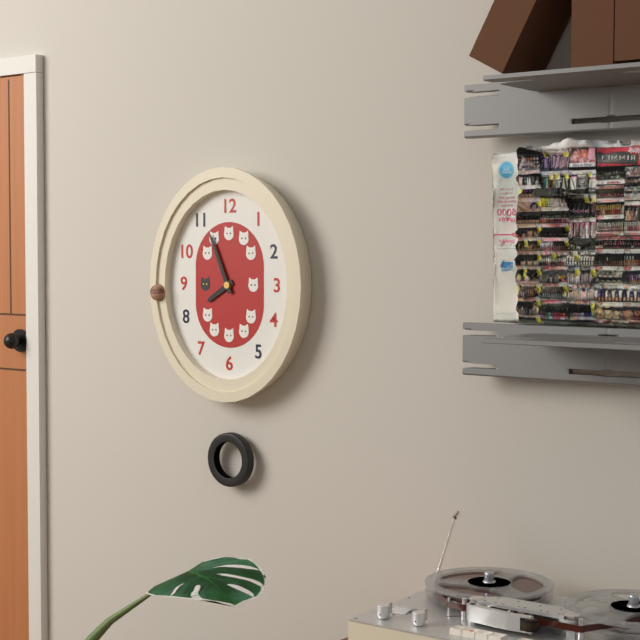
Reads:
7,56
